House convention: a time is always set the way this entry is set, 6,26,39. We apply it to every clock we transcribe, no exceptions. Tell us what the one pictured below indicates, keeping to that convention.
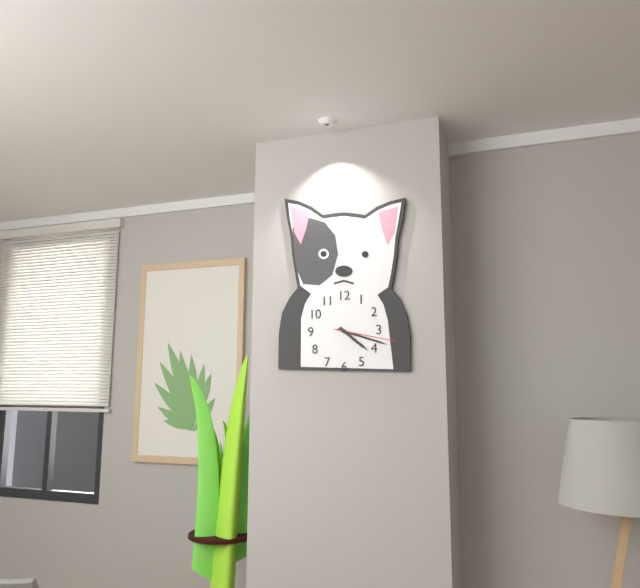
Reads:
4,18,17
